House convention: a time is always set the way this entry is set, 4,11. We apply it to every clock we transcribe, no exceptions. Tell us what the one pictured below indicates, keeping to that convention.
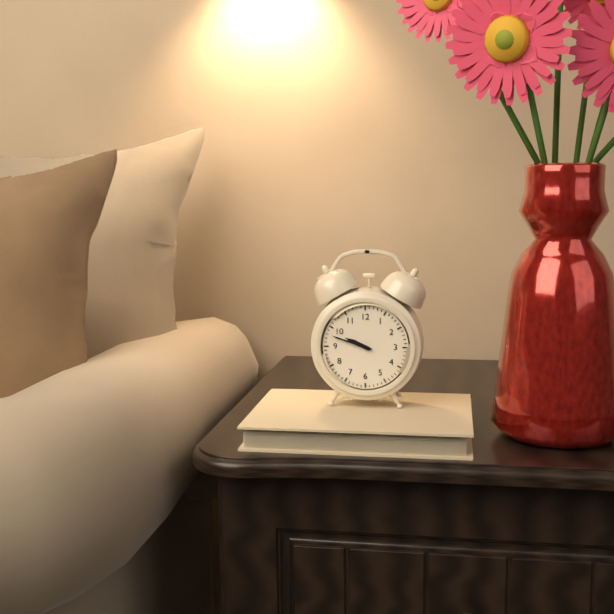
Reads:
9,48
